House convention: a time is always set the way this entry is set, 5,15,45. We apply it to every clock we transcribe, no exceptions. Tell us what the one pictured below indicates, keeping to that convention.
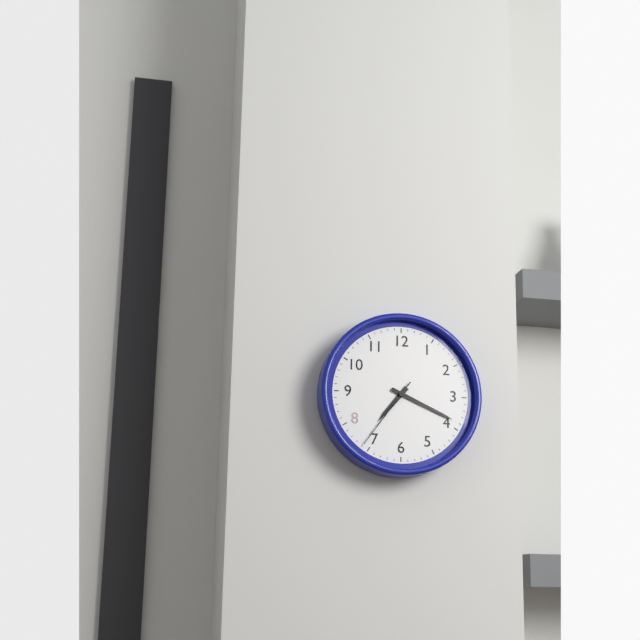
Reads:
7,19,36
